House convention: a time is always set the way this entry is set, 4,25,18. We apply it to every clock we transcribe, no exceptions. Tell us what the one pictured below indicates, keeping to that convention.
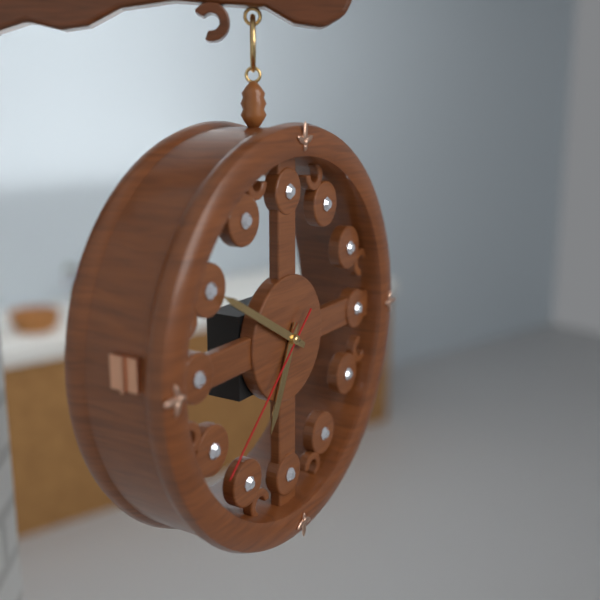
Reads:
6,50,38
